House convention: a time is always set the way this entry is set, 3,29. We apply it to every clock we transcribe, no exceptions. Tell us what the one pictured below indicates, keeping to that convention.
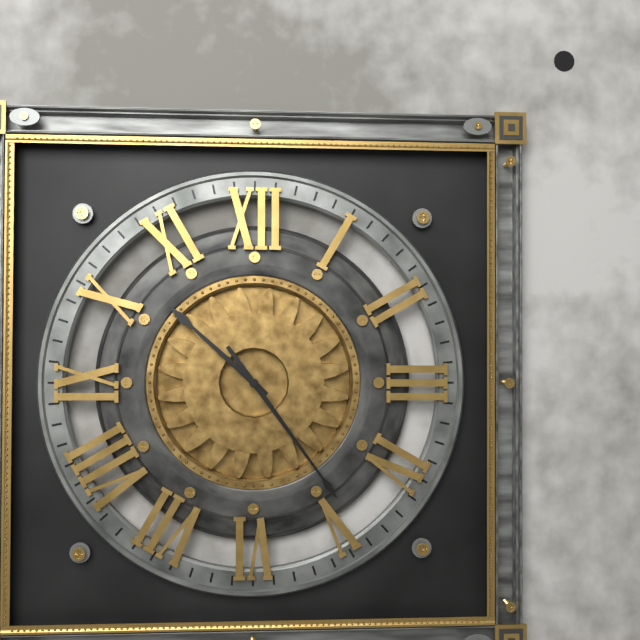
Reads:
10,24
